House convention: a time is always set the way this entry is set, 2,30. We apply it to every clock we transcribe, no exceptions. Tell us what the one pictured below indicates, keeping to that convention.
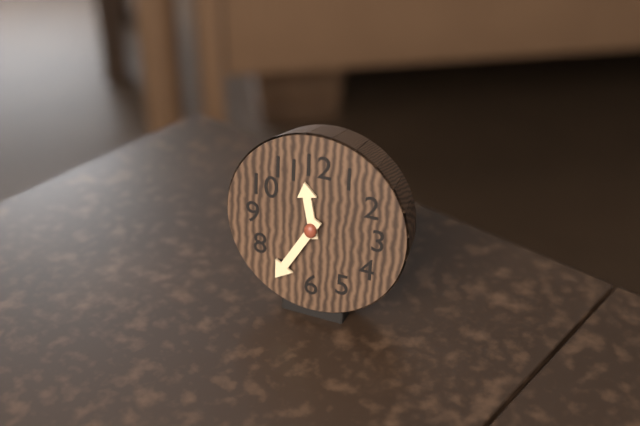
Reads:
11,35
